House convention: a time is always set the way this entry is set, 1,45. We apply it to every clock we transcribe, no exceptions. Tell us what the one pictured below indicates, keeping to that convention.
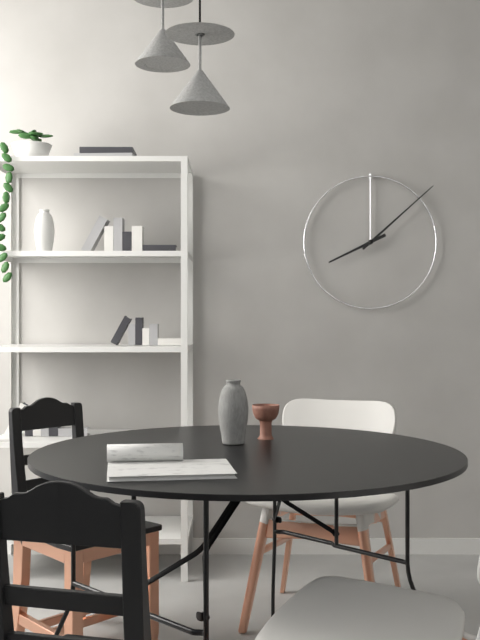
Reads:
8,08
